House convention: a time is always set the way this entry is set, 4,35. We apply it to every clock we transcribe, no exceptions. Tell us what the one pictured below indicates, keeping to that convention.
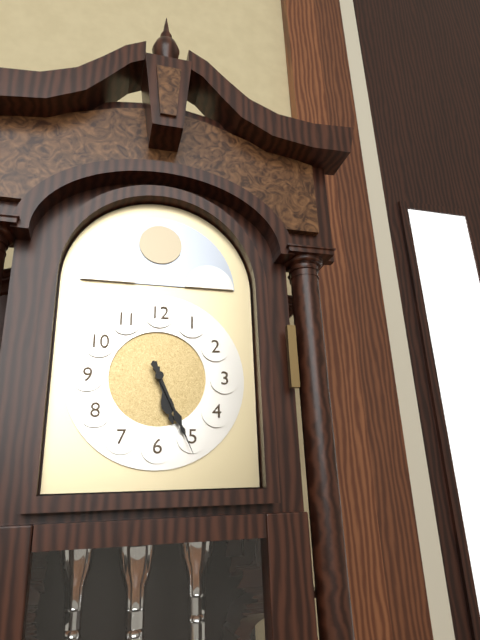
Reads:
5,26
